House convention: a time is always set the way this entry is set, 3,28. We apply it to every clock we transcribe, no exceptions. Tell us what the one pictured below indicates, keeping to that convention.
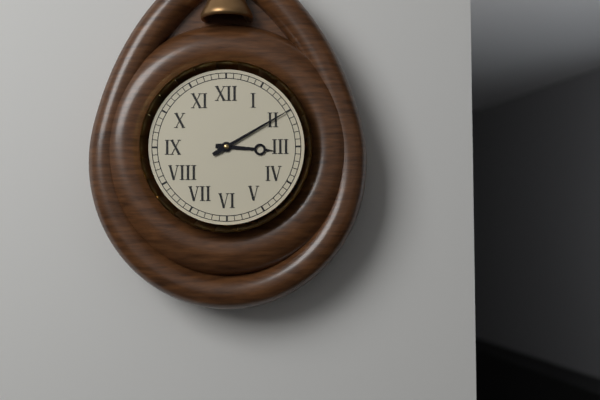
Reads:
3,10
